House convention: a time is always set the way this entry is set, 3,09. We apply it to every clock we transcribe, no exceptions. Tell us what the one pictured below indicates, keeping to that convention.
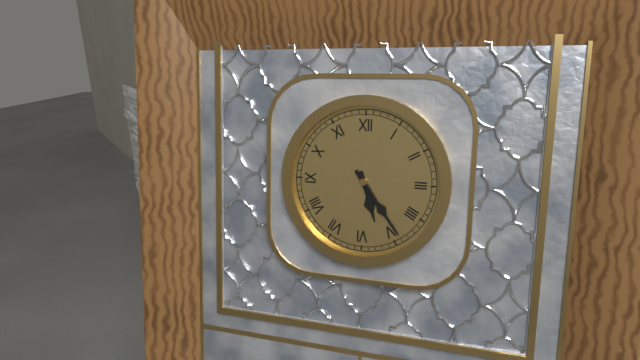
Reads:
5,24
